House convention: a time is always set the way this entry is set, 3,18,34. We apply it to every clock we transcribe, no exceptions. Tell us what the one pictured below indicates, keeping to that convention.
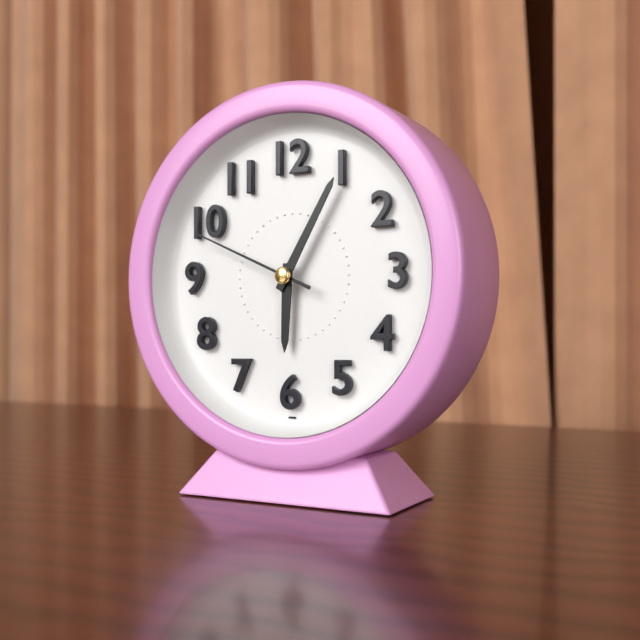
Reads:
6,05,49
